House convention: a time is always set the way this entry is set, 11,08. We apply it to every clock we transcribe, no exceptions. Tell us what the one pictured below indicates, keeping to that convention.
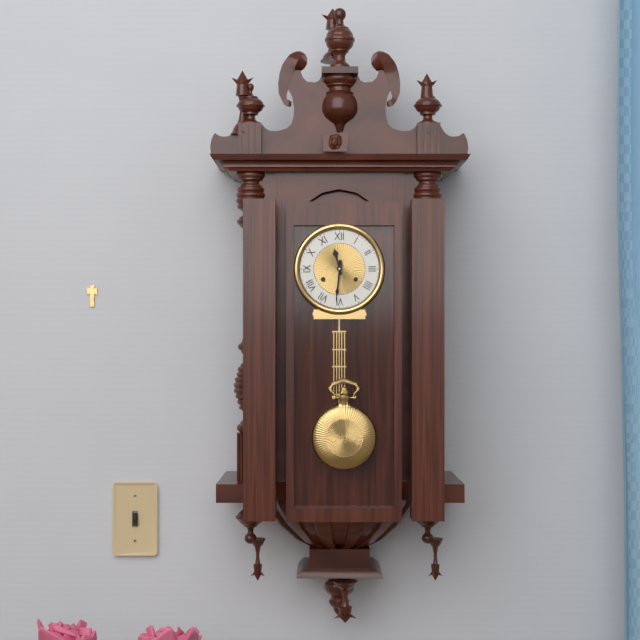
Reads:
11,31
